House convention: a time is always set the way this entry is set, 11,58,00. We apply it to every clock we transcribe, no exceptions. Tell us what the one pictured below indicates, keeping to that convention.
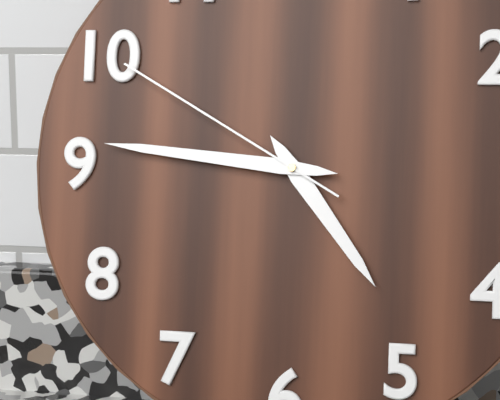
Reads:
4,46,50
